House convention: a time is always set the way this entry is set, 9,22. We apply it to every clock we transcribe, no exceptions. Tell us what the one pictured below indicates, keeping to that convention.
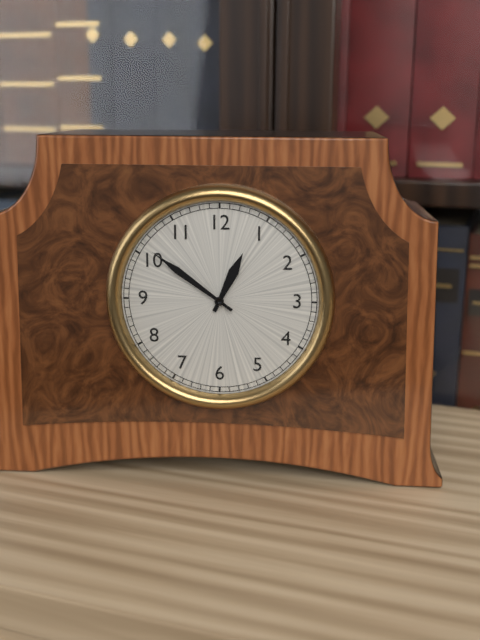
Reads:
12,51
